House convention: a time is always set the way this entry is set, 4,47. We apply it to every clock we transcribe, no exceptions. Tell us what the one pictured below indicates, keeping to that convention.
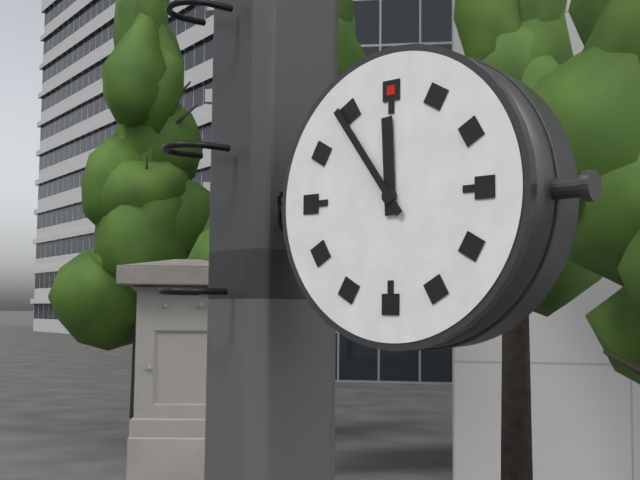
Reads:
11,54
